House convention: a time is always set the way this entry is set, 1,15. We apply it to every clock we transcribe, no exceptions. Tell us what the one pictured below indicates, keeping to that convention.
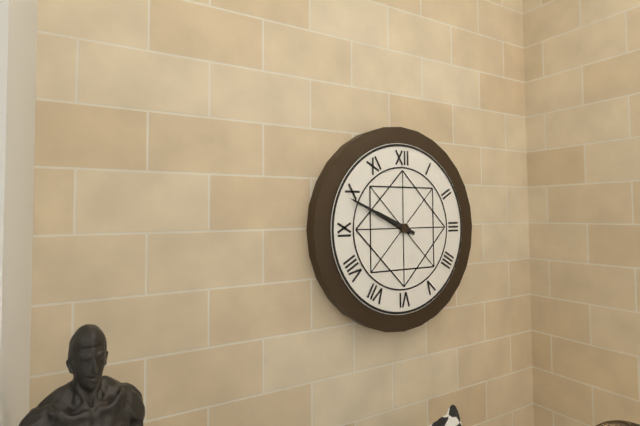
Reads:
9,49
